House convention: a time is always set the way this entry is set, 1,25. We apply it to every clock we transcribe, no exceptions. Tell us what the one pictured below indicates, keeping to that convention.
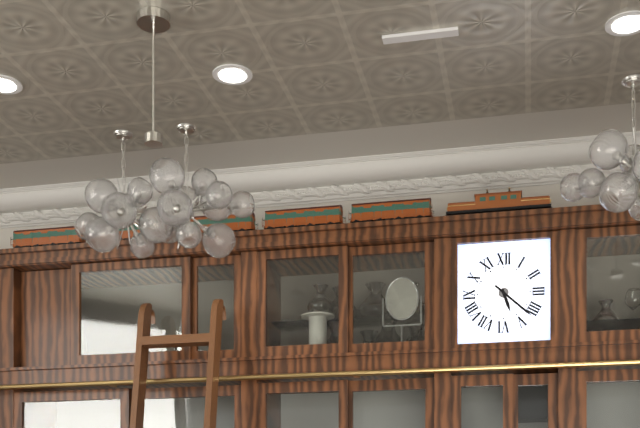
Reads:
5,22
